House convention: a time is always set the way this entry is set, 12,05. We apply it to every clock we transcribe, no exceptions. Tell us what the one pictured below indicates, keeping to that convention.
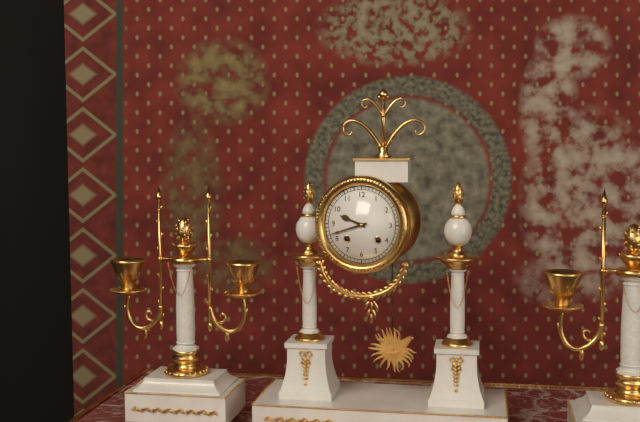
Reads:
9,42
